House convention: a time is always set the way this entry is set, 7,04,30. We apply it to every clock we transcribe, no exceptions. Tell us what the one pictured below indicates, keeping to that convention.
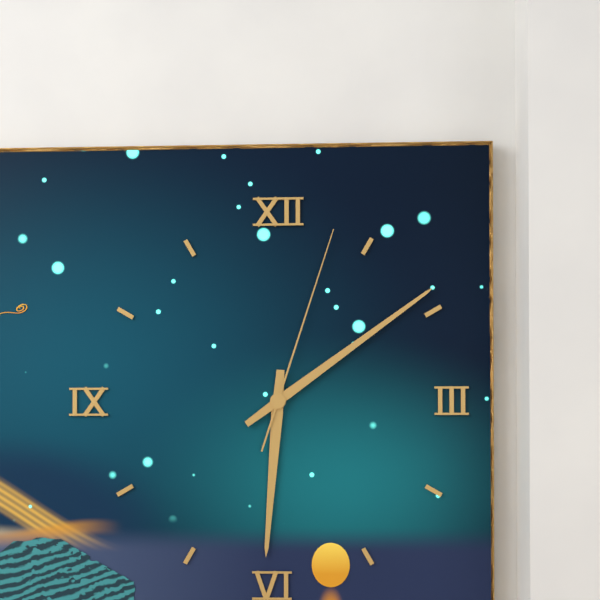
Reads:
6,09,03
